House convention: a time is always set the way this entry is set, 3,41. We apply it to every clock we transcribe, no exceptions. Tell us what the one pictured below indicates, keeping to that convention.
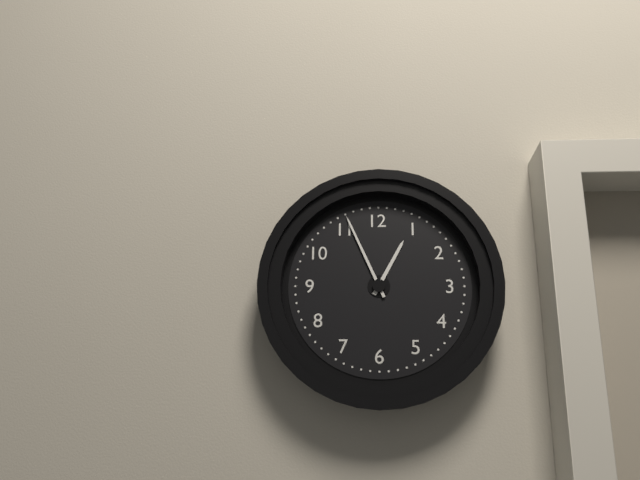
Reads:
12,56
